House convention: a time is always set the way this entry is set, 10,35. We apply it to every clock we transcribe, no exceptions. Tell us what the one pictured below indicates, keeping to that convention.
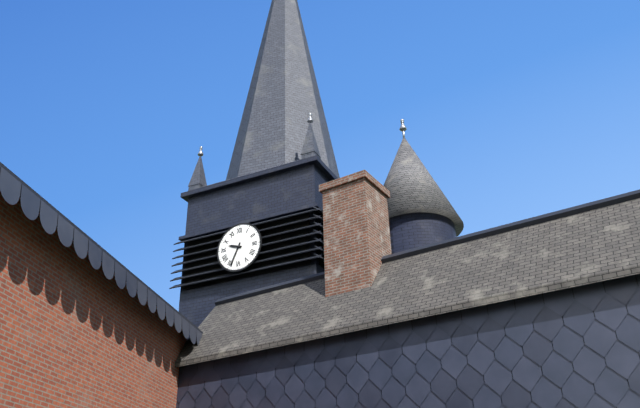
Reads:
9,34
